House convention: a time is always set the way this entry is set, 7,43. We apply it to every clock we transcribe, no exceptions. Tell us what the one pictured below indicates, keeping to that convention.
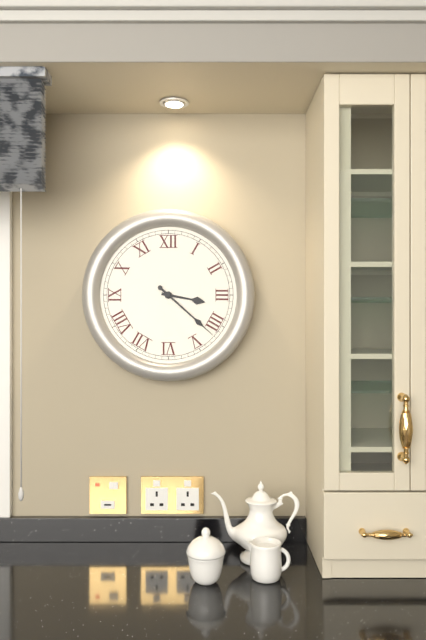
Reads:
3,22
